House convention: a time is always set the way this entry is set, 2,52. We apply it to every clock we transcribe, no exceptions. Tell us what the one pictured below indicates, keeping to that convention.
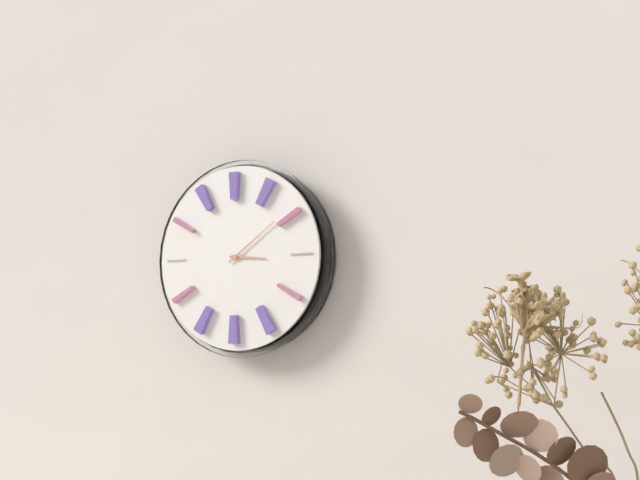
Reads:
3,09
